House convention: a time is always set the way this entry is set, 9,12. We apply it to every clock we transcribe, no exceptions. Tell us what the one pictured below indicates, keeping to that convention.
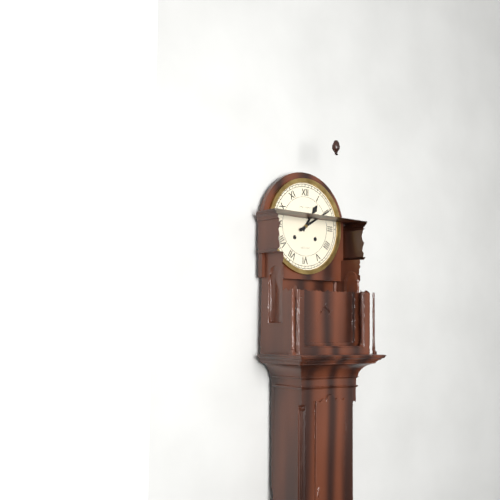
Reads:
1,10
